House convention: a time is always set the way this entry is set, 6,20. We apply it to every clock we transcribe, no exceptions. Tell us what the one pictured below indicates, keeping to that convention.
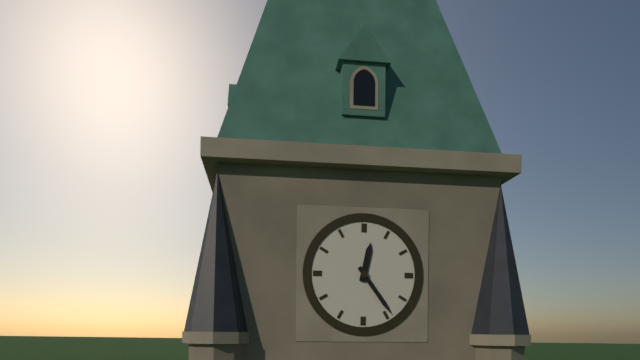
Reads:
12,24
